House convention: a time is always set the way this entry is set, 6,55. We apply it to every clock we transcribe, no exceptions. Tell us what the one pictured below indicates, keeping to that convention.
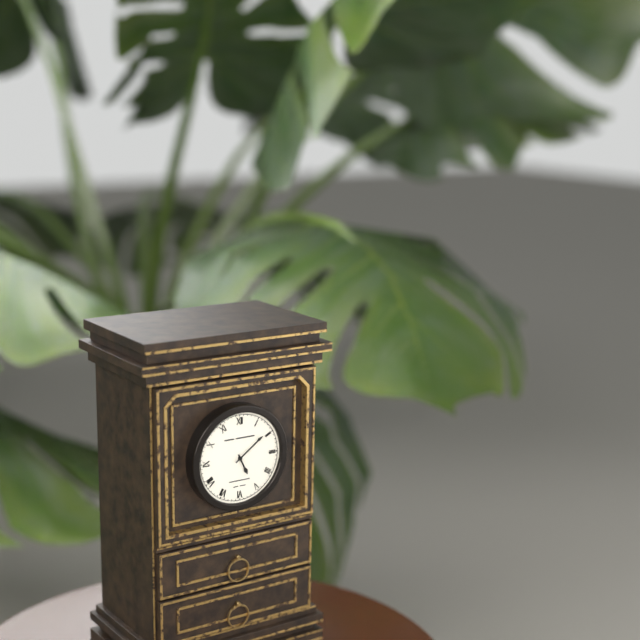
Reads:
5,09
